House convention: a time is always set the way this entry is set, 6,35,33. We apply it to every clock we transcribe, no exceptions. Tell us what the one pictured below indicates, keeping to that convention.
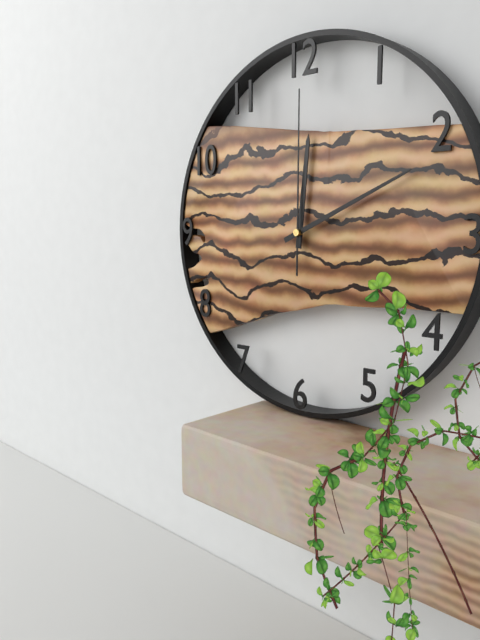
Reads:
12,11,00
